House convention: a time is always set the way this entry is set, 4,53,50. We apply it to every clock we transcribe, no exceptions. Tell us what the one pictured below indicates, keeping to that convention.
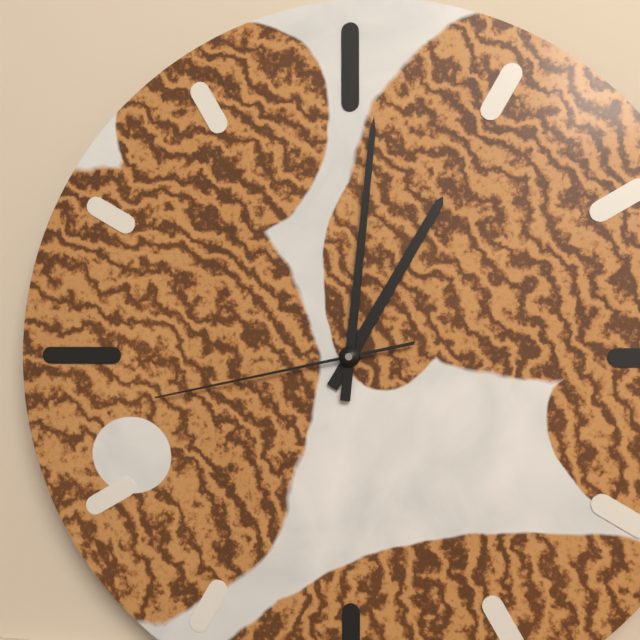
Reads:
1,01,43
